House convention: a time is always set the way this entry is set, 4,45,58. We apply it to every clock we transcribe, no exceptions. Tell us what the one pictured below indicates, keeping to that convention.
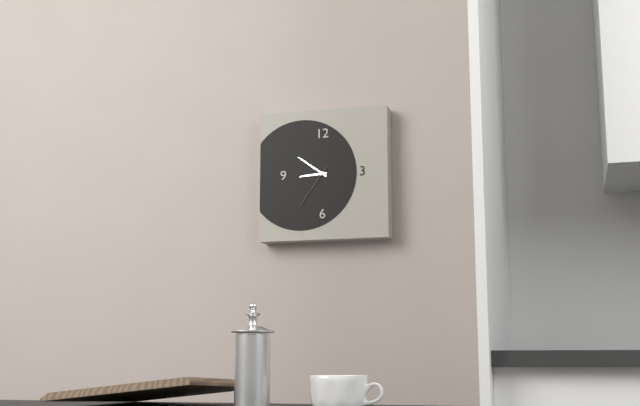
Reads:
8,51,36
